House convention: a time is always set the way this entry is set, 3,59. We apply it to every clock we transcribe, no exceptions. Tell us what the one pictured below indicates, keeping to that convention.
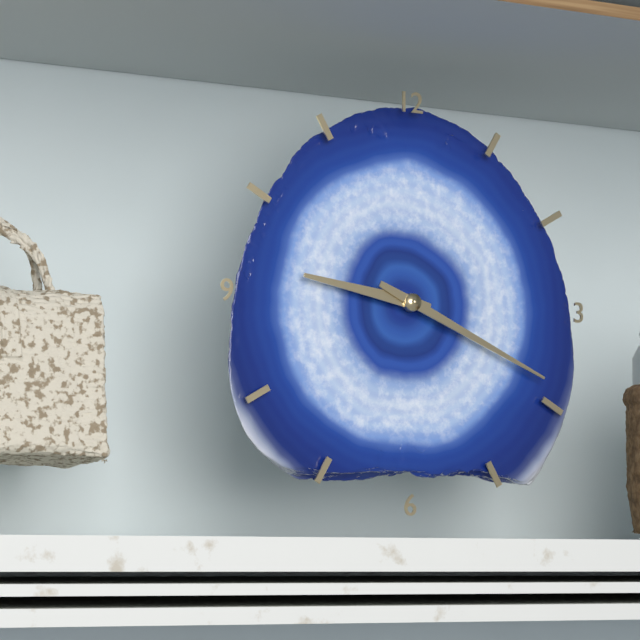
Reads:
9,19
